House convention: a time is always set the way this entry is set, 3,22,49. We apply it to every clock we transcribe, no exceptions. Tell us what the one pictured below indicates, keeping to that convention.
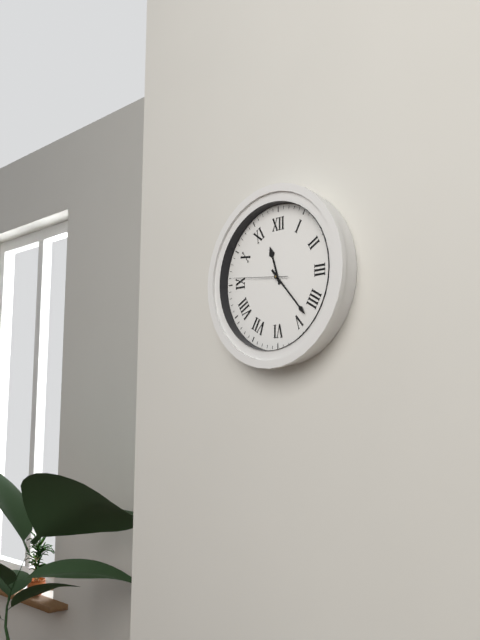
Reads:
11,23,46
